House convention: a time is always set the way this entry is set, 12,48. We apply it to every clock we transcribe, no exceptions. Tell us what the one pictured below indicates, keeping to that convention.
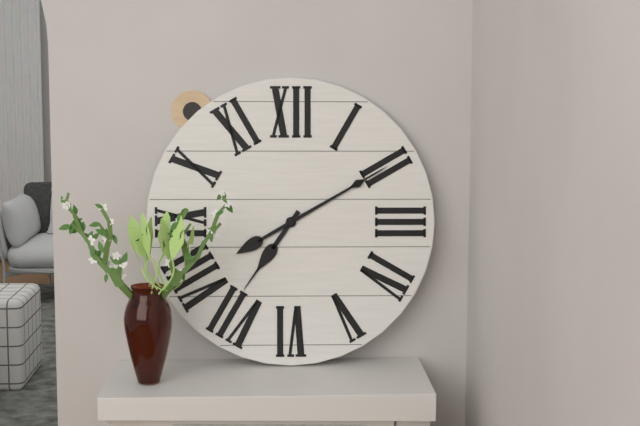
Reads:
7,10
